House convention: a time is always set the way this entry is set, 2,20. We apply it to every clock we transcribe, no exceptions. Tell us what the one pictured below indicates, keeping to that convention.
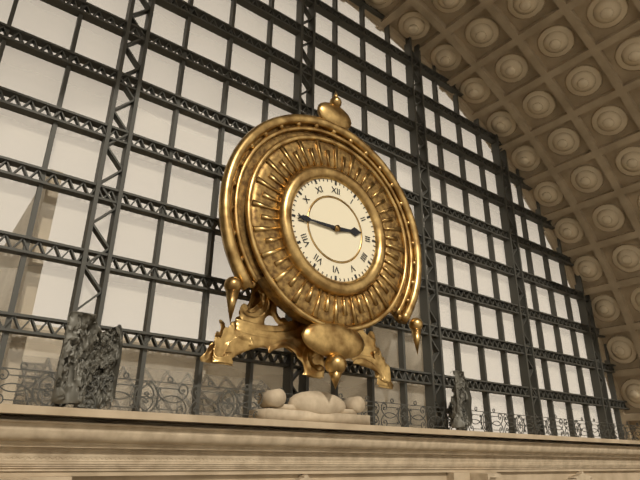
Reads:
2,45
